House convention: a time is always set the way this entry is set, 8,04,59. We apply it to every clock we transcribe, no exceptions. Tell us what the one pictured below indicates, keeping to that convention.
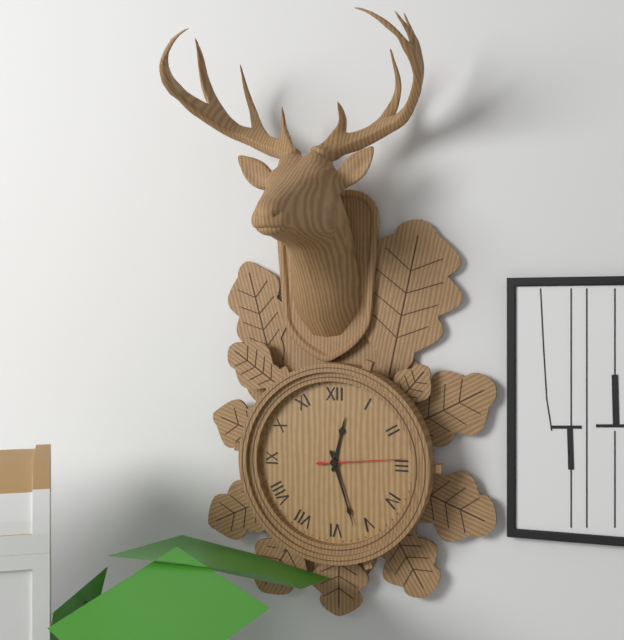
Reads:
12,27,14
